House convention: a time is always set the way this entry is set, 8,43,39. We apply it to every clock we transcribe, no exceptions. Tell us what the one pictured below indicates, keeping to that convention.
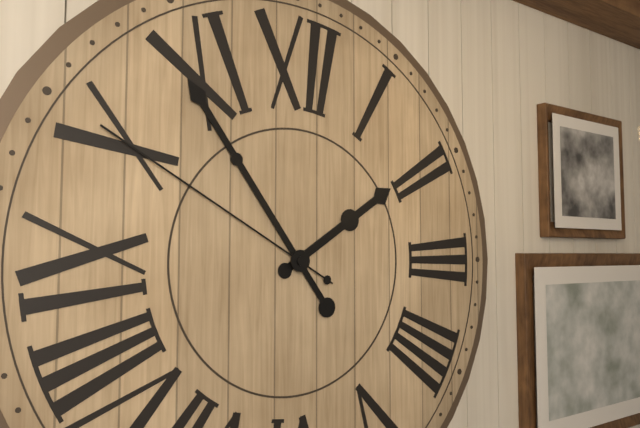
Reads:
1,54,50
